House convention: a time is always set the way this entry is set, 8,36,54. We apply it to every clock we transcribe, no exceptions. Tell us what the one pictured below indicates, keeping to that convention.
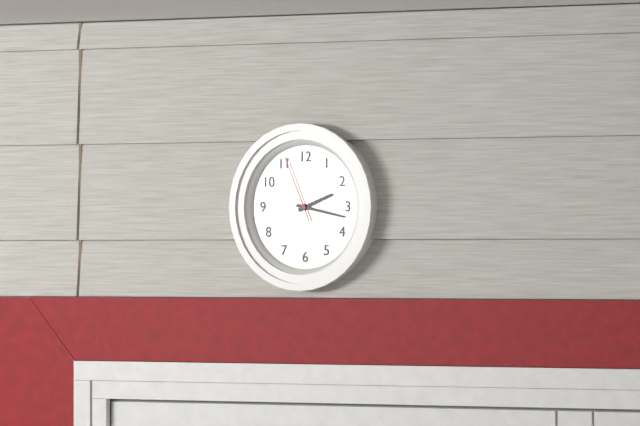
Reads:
2,17,56
